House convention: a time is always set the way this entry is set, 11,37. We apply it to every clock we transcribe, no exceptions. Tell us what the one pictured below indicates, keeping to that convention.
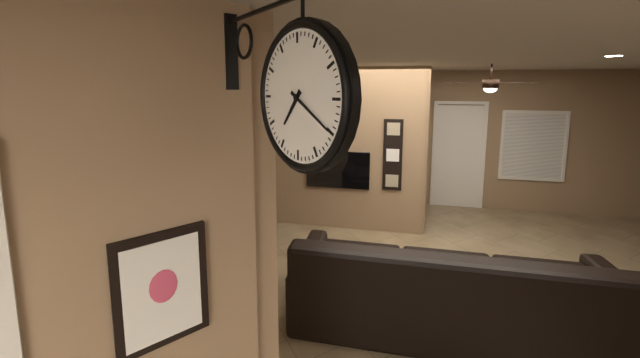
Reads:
7,20
